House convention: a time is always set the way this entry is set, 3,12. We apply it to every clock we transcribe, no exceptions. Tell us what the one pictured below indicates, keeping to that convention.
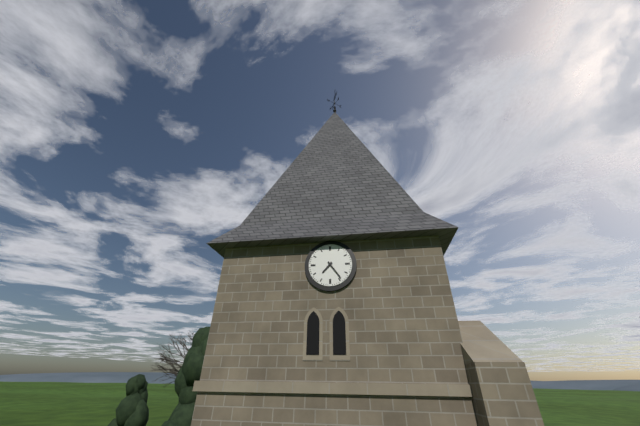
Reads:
7,24
